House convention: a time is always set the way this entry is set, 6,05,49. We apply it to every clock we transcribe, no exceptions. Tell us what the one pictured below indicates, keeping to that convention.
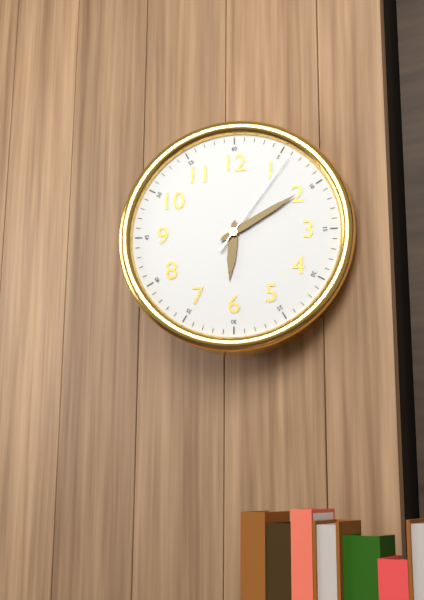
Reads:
6,10,06
